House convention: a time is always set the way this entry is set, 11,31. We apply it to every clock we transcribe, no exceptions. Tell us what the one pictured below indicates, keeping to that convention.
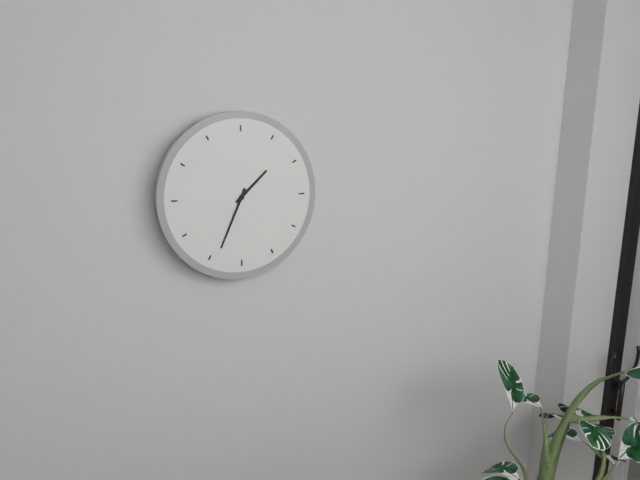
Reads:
1,34
